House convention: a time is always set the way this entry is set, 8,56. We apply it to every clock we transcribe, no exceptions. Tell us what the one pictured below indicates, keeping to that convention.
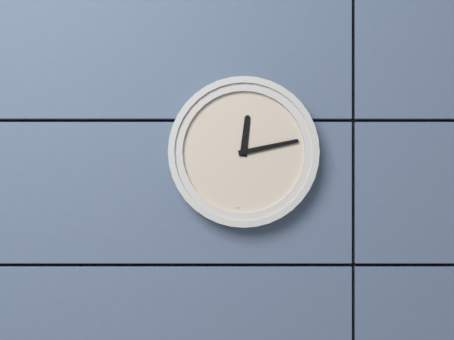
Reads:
12,13
